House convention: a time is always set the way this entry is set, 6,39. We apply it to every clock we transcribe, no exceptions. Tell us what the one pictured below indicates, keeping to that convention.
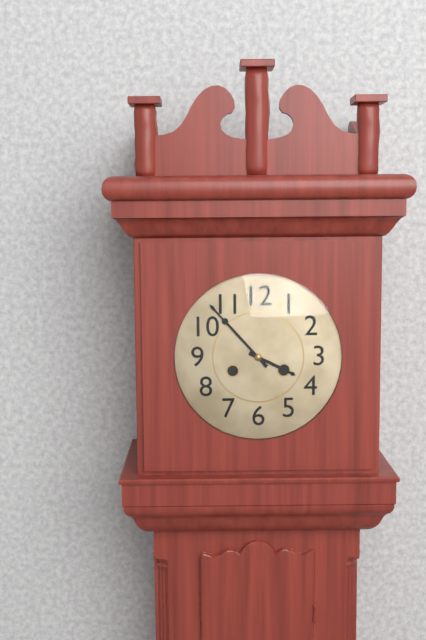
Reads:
3,53
